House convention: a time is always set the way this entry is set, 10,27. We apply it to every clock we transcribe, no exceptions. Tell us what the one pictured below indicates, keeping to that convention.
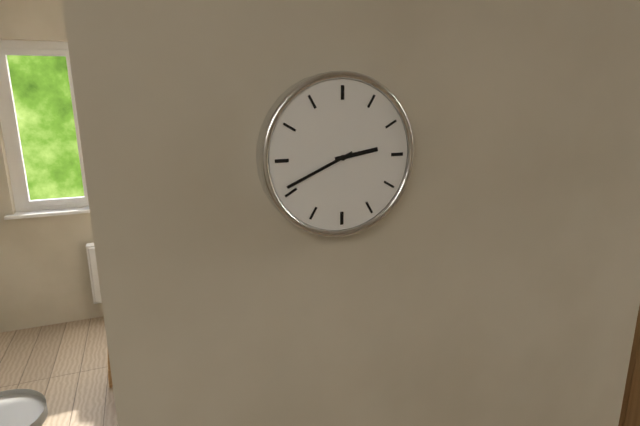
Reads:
2,41
